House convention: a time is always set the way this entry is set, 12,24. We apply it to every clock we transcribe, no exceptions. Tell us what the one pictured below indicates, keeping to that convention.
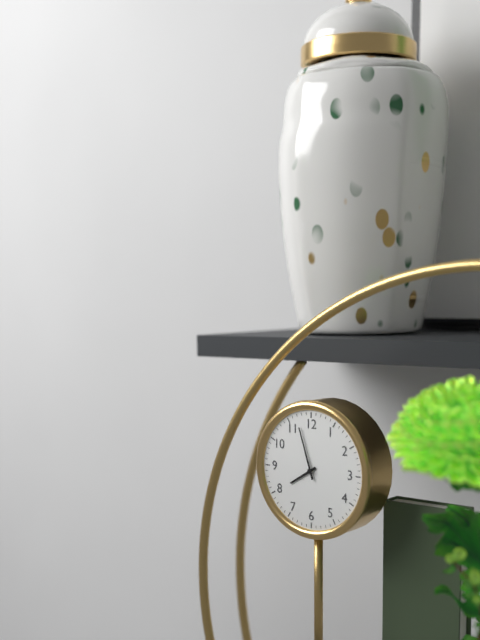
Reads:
7,57
